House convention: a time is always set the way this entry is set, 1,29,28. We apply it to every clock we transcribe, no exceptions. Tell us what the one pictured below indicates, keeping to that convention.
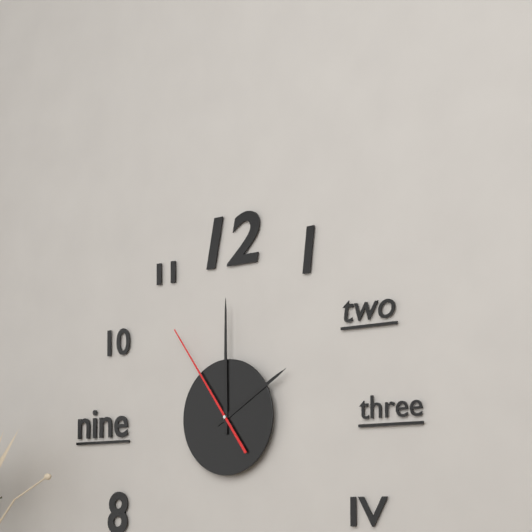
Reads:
2,00,54
